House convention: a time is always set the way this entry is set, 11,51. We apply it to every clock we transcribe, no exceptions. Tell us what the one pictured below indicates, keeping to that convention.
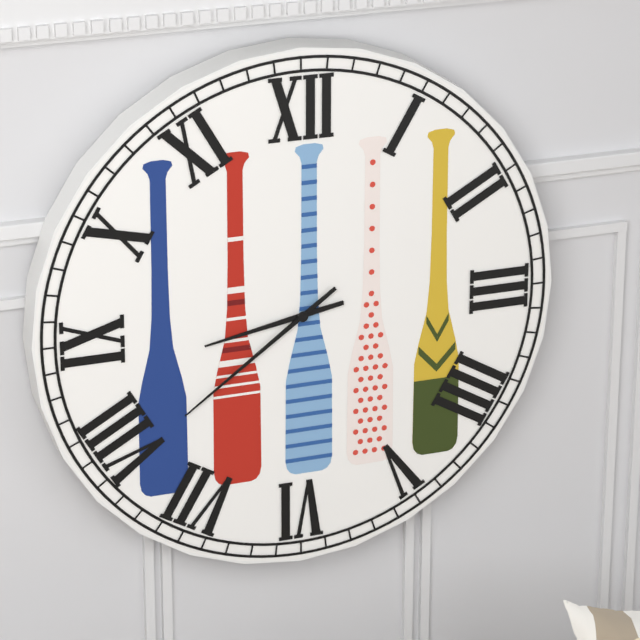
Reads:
8,39
